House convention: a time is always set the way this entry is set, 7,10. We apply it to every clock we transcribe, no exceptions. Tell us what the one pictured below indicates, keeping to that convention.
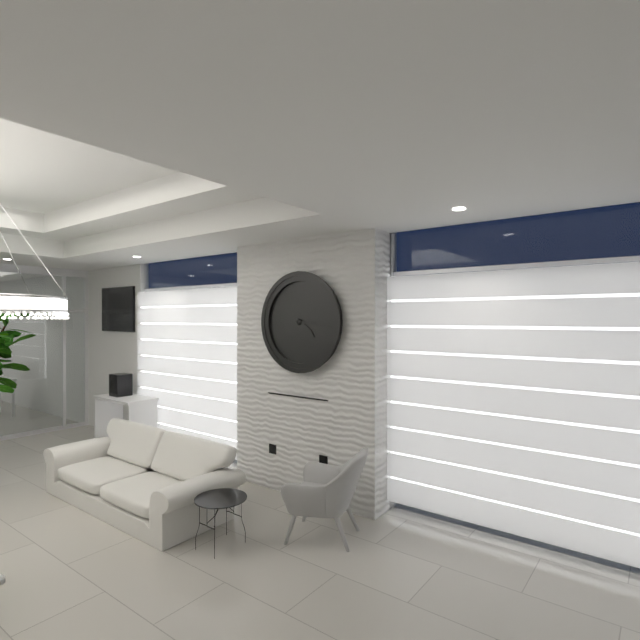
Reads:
4,16
